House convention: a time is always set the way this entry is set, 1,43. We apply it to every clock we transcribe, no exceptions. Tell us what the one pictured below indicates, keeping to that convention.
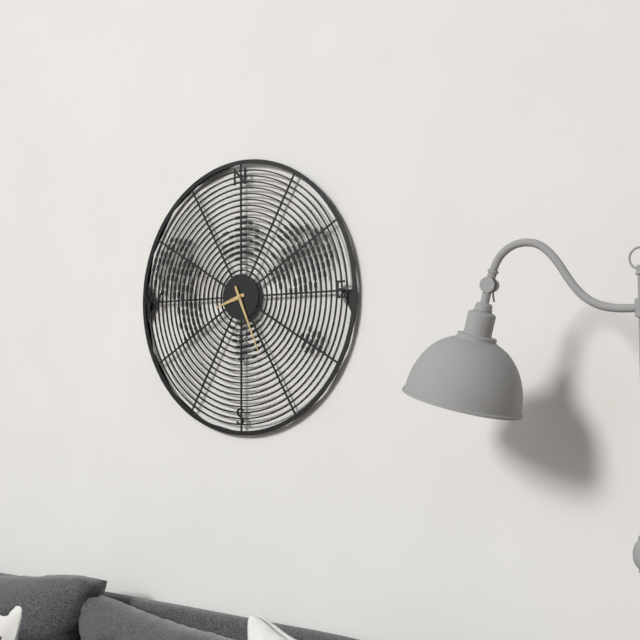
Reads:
8,26
